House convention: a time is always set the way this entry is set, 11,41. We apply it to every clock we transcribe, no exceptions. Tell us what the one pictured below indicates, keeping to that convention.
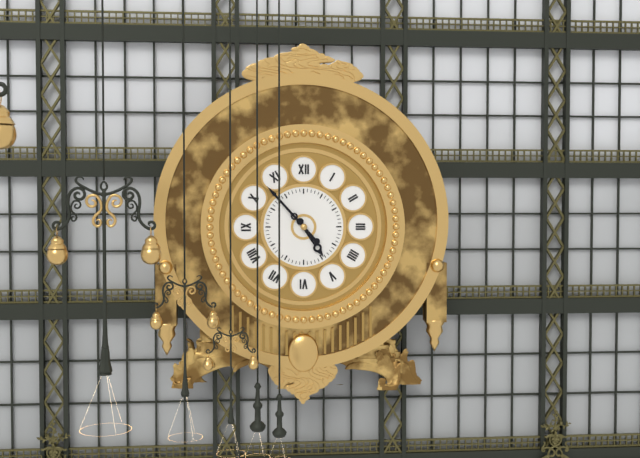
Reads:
4,53
